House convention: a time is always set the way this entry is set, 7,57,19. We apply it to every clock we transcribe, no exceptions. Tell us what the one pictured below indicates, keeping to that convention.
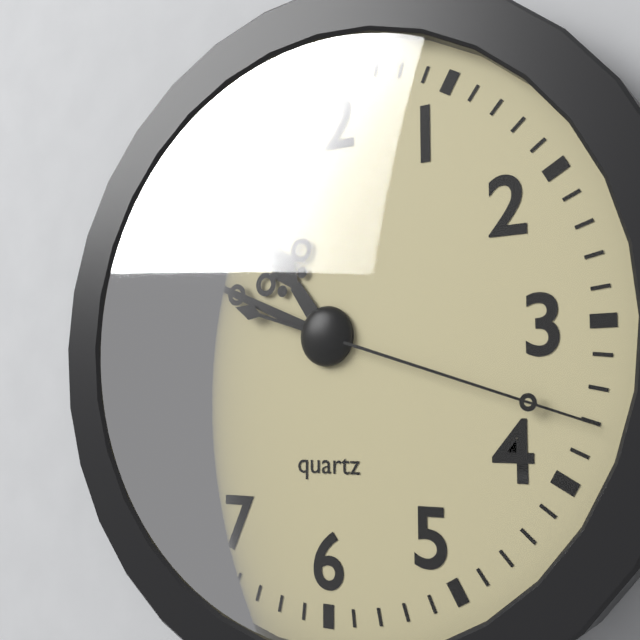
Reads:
10,49,18
